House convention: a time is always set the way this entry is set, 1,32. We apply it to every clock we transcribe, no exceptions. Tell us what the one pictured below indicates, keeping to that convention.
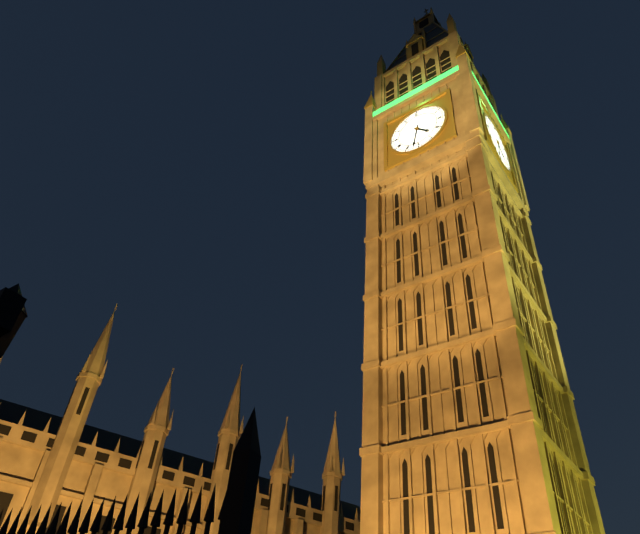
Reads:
4,32
